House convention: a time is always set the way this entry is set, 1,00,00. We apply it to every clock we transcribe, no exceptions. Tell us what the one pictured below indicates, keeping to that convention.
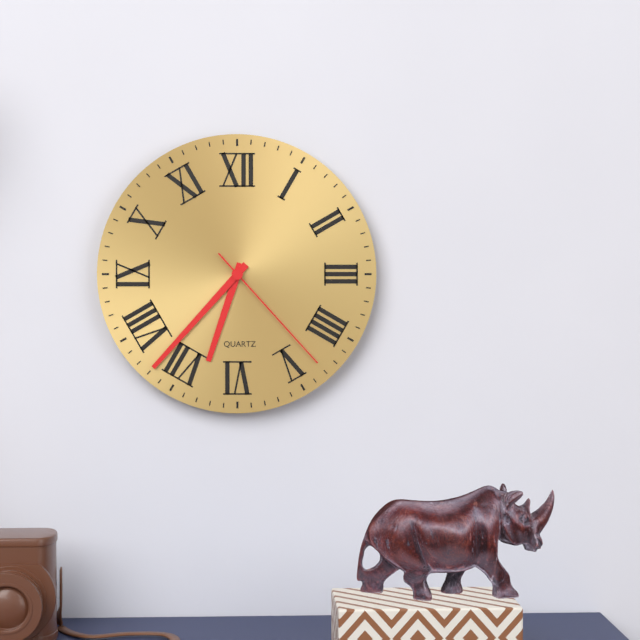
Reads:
6,37,23
